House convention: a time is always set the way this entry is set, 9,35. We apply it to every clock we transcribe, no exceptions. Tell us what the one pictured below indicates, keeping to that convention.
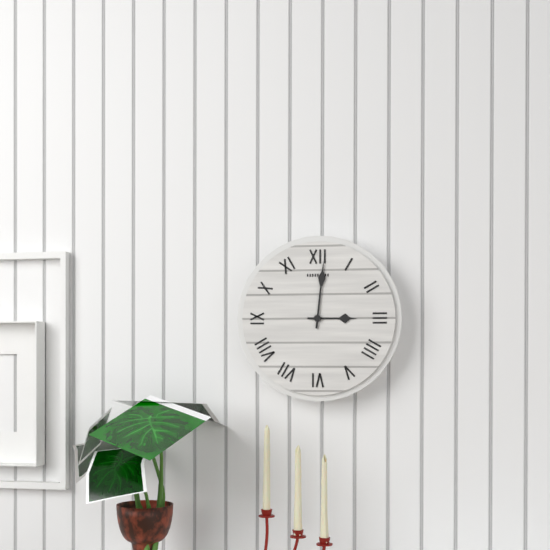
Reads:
3,01
